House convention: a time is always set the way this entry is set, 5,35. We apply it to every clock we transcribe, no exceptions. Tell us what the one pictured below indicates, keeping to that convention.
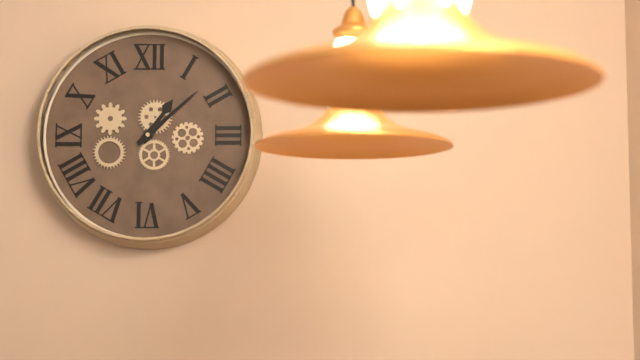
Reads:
1,08
